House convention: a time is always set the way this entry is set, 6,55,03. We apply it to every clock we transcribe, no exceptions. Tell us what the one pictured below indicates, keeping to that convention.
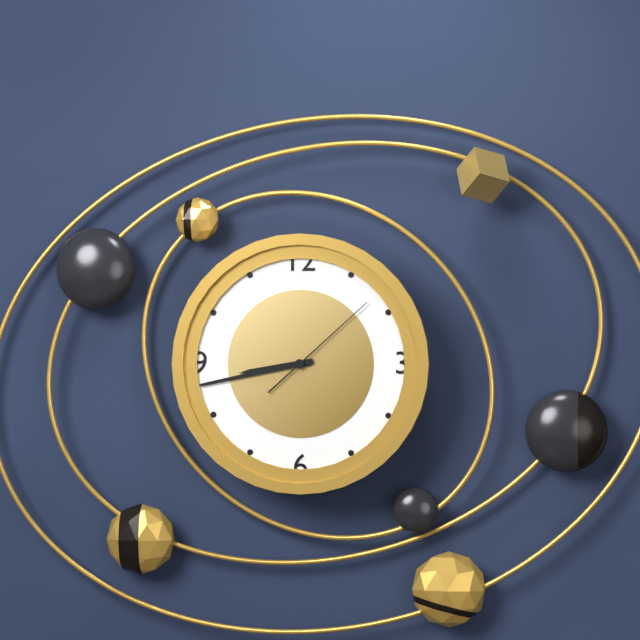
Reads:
8,43,08
